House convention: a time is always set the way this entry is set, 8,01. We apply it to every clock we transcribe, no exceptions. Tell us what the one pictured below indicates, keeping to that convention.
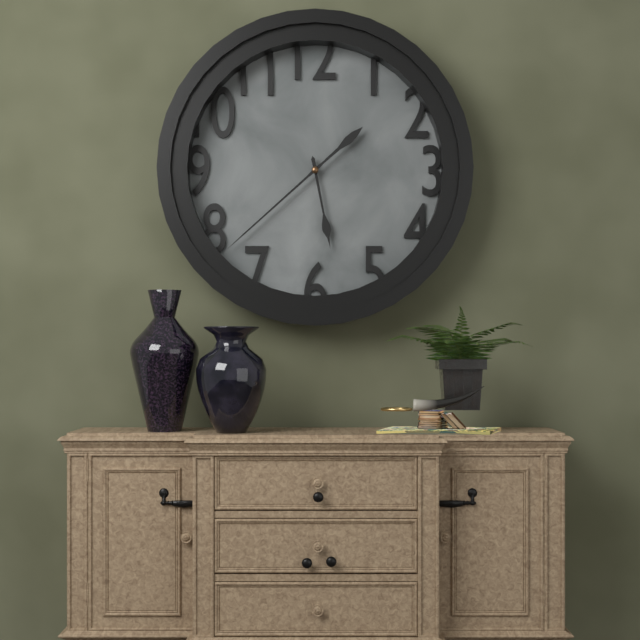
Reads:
5,38
